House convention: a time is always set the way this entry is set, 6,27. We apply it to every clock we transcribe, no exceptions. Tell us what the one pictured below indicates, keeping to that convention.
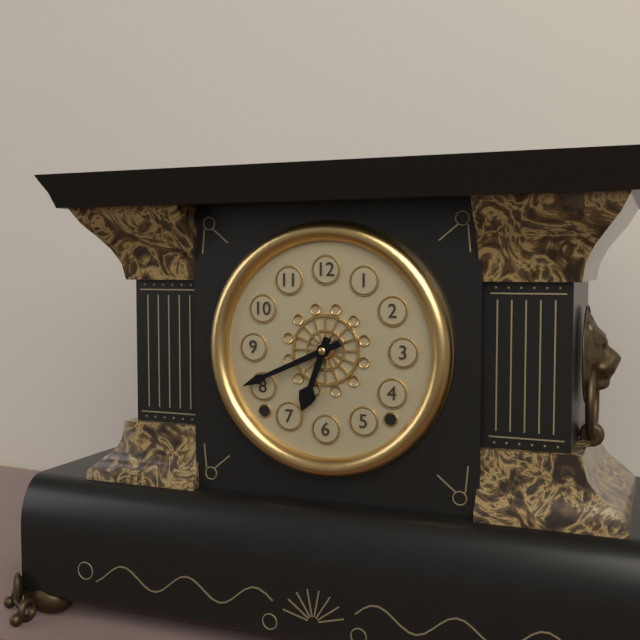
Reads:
6,41
